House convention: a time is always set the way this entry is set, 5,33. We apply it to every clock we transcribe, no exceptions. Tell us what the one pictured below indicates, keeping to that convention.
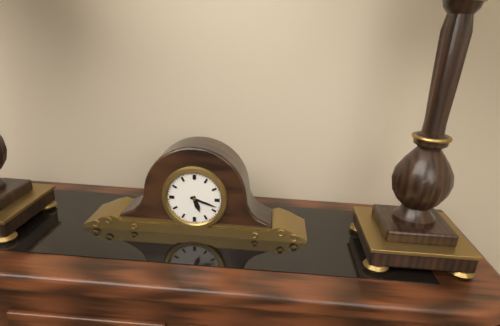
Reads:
5,18
